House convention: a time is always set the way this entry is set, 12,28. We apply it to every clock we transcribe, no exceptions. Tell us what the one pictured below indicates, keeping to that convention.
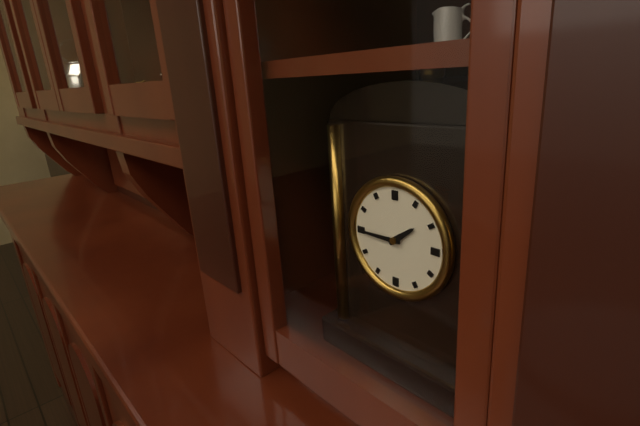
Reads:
1,45
